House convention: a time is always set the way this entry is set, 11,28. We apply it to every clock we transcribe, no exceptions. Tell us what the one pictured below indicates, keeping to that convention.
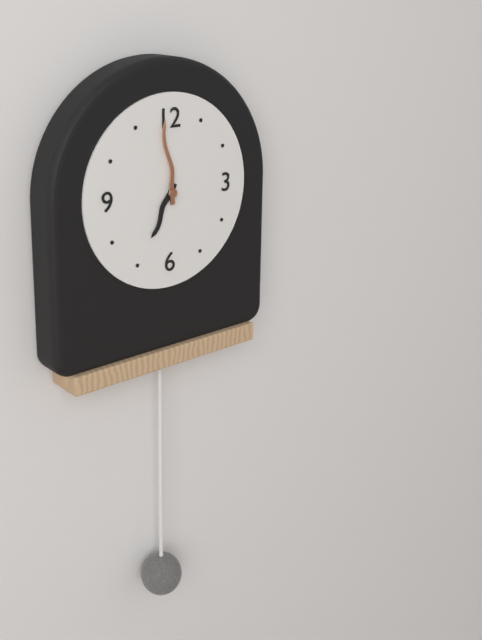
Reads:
6,59
